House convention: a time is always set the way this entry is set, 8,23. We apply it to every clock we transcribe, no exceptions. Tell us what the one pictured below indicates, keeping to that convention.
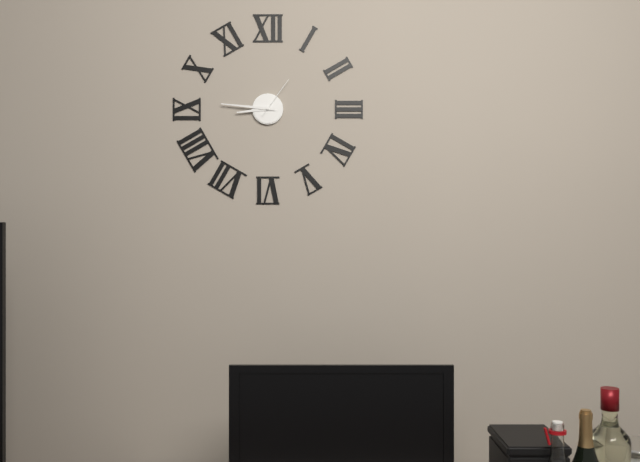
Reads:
8,46
